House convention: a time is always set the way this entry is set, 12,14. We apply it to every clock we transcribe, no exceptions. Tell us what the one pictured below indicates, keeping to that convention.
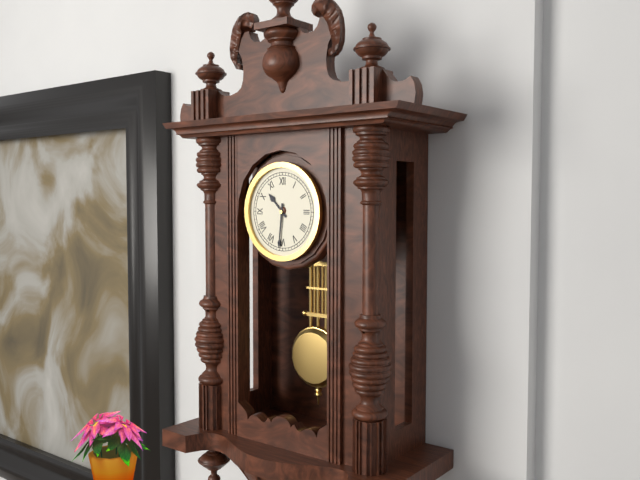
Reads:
10,31
